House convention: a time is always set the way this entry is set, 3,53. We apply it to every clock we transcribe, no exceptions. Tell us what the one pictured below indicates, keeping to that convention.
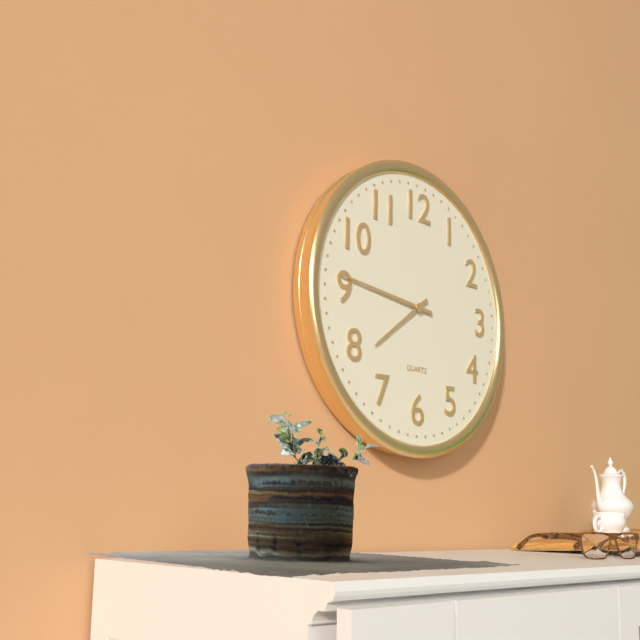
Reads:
7,46
